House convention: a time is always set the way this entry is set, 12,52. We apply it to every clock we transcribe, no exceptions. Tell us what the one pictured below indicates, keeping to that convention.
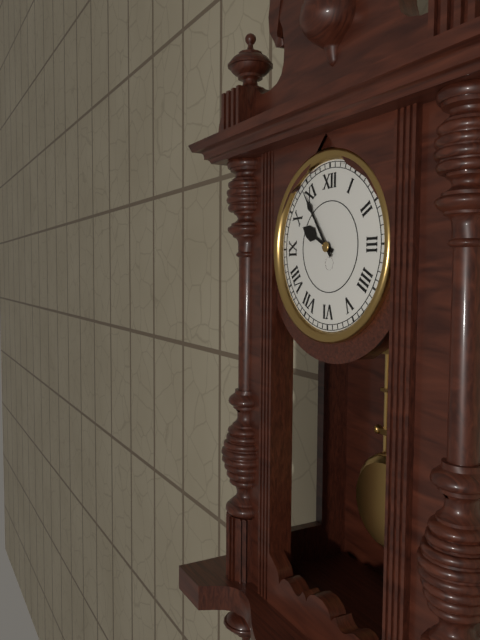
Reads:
9,54
